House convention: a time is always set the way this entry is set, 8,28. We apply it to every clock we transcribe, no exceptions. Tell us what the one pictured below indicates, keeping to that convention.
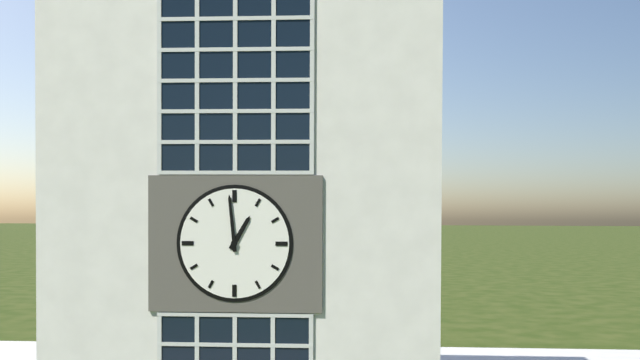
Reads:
12,59
